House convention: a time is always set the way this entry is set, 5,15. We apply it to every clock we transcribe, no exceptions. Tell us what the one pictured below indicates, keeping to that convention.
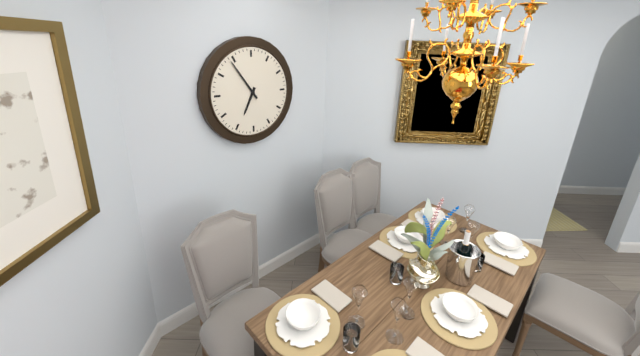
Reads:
6,54
